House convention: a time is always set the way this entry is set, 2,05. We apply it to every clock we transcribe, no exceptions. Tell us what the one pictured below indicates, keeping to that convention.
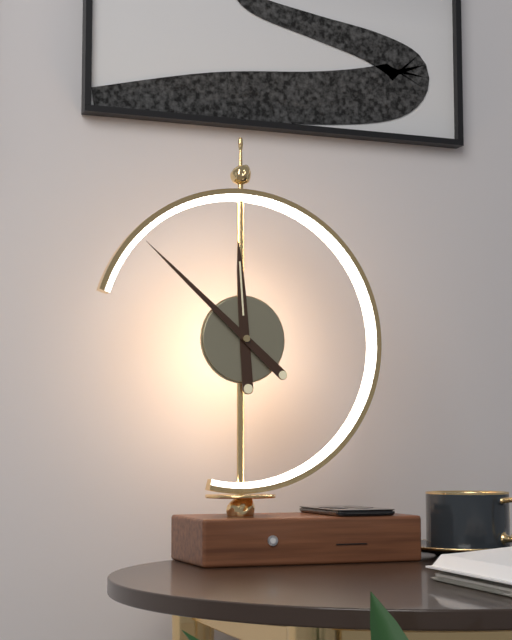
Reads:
11,52
